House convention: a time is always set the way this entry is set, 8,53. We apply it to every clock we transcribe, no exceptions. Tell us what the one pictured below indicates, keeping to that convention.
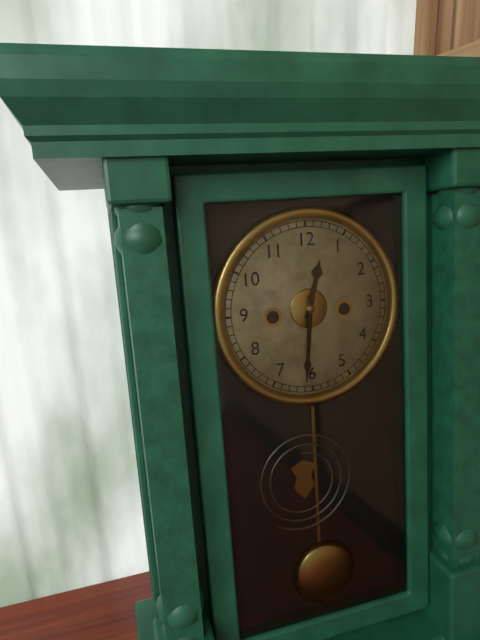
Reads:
12,31
